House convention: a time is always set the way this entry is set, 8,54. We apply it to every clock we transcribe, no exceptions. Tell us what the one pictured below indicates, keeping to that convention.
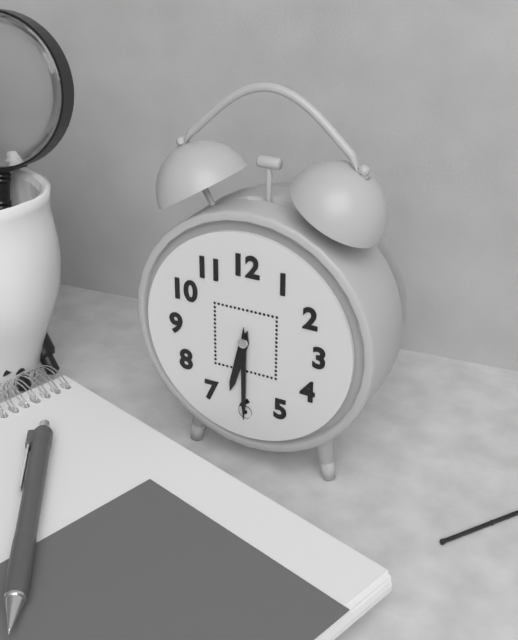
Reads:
6,30
